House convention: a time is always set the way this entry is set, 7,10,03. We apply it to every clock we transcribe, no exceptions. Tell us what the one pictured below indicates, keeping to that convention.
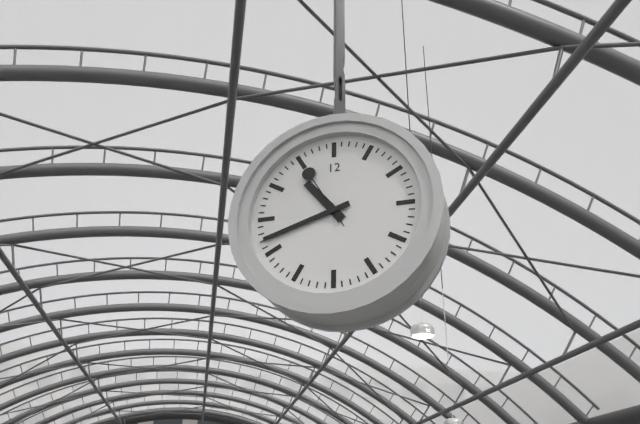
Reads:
10,42,55
